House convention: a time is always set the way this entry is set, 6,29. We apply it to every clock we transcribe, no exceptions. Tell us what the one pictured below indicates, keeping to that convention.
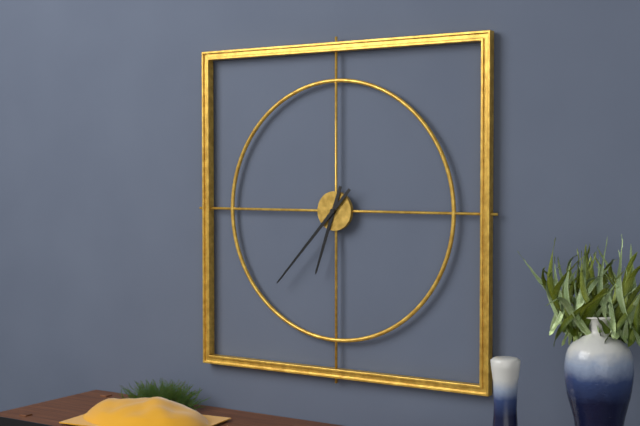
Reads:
6,37
